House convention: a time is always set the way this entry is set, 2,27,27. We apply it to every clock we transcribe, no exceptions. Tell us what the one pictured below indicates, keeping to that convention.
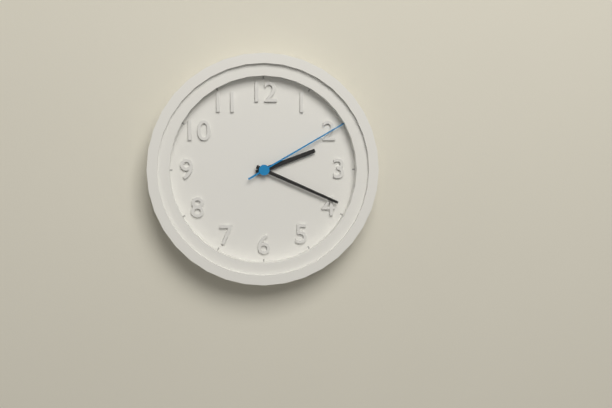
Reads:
2,19,10
